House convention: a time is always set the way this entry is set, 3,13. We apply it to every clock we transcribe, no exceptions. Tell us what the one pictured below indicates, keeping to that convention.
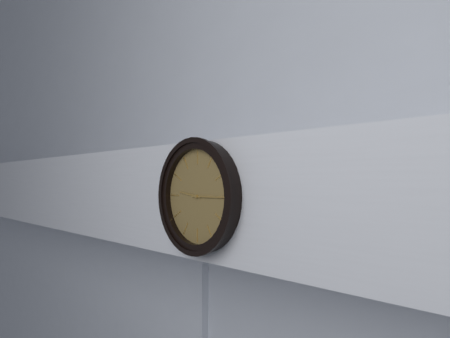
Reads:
9,15
